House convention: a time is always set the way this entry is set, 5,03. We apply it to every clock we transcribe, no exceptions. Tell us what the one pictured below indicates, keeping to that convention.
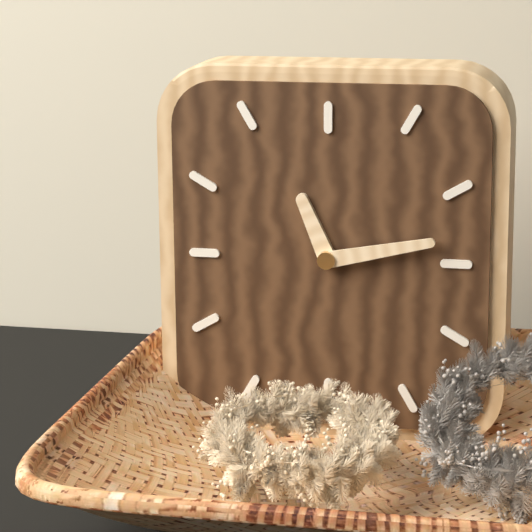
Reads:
11,13
